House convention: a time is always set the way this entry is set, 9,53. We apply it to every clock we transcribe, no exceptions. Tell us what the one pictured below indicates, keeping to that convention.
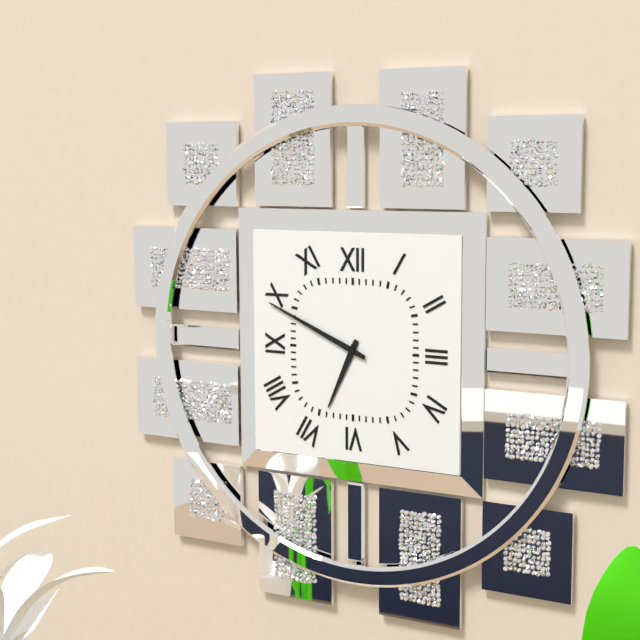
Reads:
6,49
